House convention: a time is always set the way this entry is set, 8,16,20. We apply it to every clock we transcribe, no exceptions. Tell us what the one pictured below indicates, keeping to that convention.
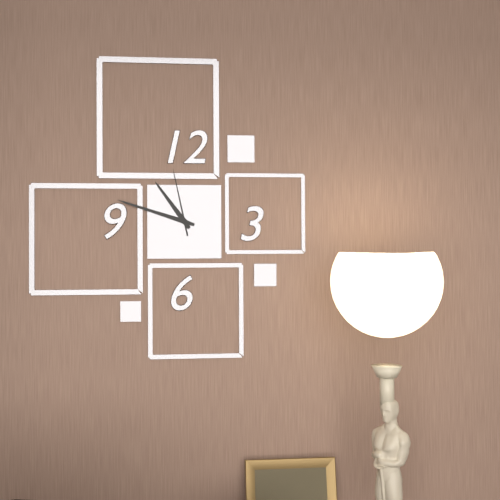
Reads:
10,48,58
